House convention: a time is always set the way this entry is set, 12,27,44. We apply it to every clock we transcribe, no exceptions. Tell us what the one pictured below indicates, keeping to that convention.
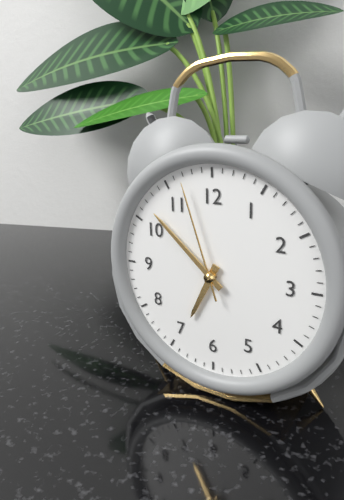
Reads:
6,52,57
